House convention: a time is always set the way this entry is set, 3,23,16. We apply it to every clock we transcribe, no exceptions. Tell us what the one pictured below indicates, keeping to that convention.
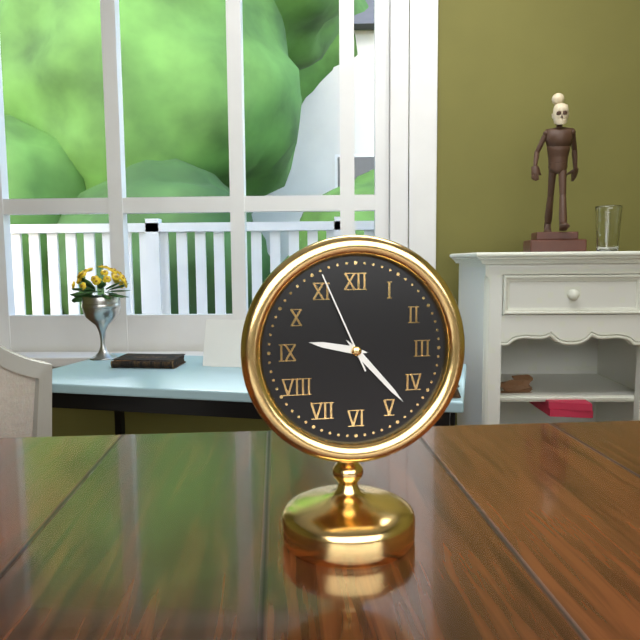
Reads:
9,23,56
